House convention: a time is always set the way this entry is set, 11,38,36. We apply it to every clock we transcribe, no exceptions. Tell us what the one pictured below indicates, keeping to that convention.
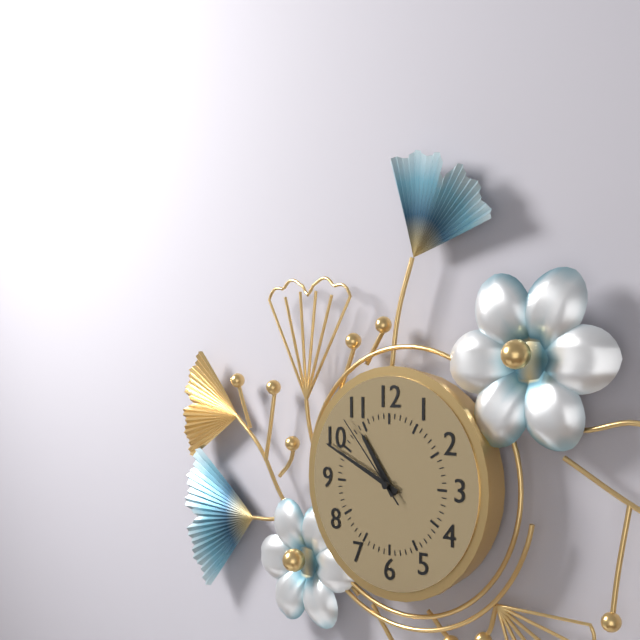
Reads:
10,49,53
